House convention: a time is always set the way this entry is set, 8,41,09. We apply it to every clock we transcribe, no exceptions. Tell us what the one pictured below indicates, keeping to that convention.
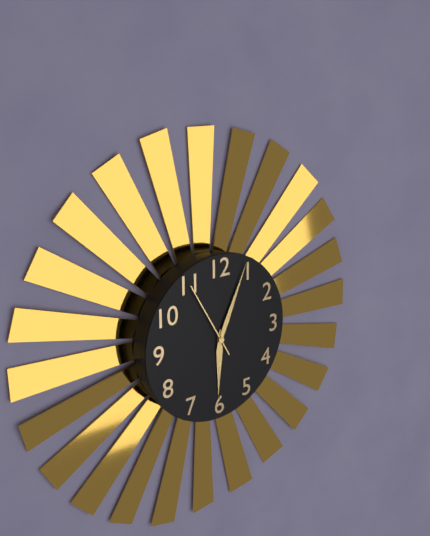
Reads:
6,04,55
